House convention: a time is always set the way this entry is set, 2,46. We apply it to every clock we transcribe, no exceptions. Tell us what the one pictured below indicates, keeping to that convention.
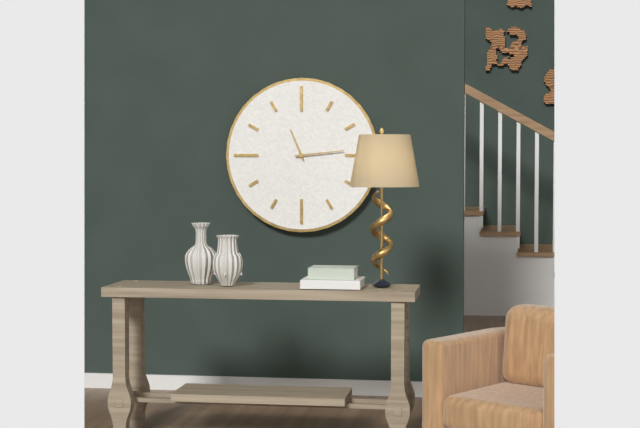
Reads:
11,14
